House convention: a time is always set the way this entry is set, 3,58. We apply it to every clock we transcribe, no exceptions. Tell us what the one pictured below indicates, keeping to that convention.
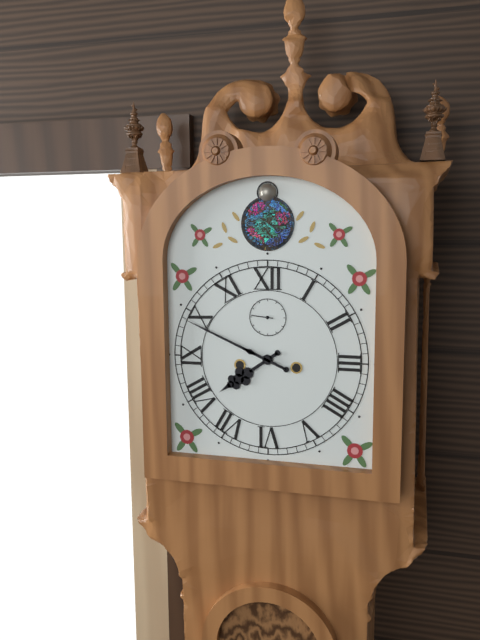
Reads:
7,49
